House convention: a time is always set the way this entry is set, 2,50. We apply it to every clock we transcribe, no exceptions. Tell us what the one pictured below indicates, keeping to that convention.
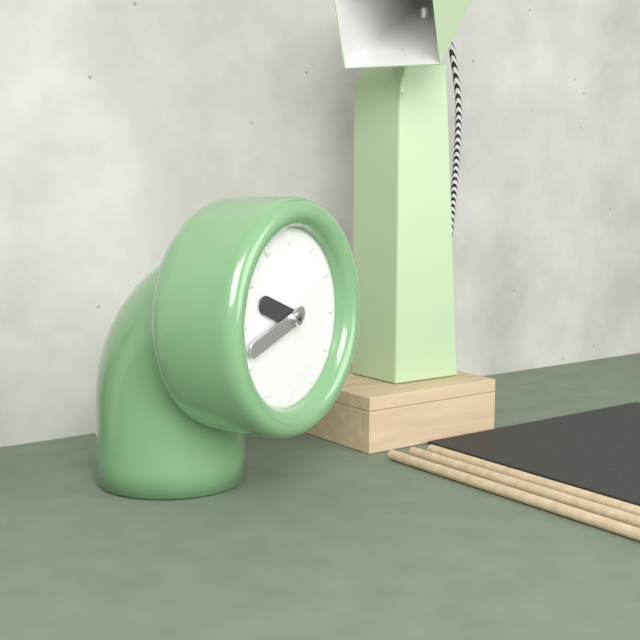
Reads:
9,42
